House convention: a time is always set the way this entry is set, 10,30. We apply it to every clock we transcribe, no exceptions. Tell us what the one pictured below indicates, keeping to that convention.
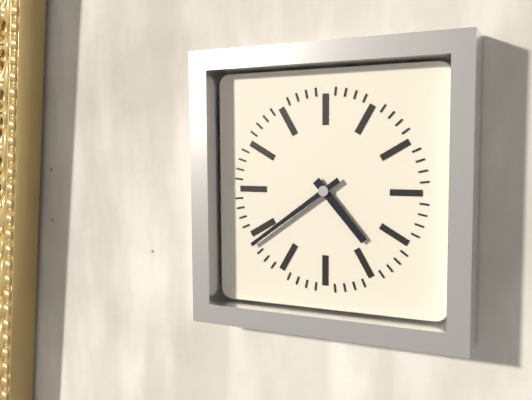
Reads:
4,39
